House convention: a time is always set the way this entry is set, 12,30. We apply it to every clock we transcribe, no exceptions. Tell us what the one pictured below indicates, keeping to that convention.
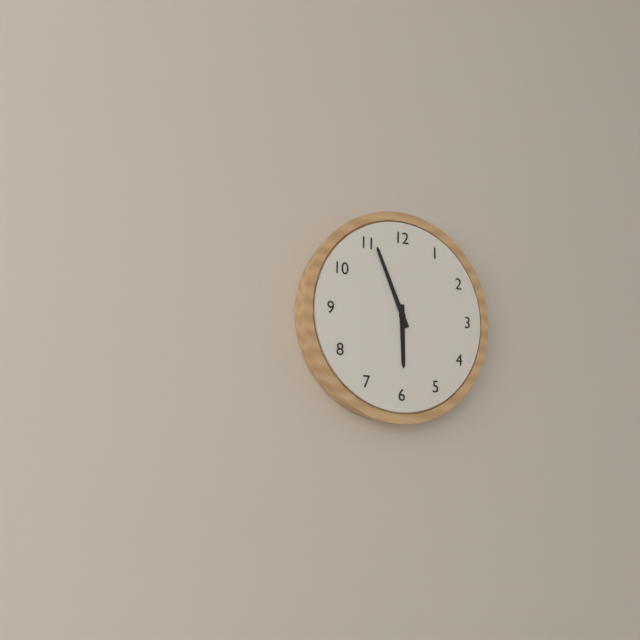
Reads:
5,56
